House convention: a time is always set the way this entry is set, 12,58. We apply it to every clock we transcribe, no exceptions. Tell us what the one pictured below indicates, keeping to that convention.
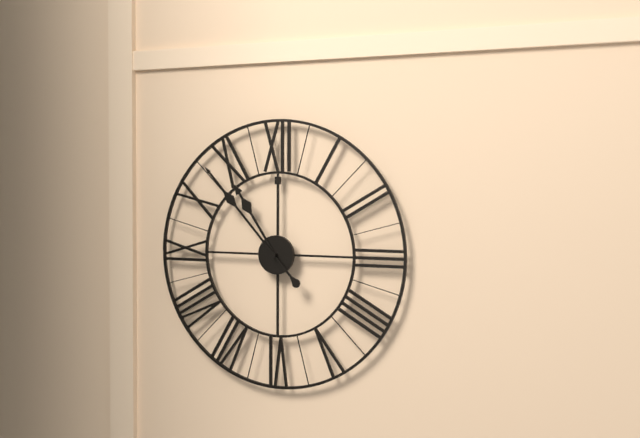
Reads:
10,53
